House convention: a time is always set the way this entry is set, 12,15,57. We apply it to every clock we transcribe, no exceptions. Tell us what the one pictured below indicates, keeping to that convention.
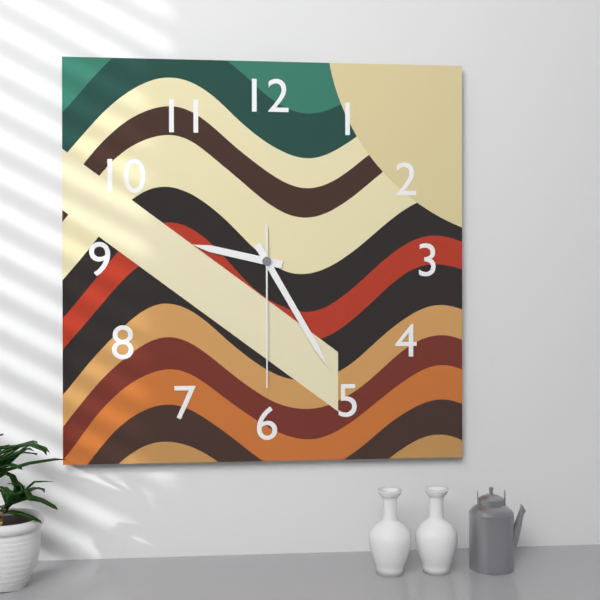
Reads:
9,25,30
